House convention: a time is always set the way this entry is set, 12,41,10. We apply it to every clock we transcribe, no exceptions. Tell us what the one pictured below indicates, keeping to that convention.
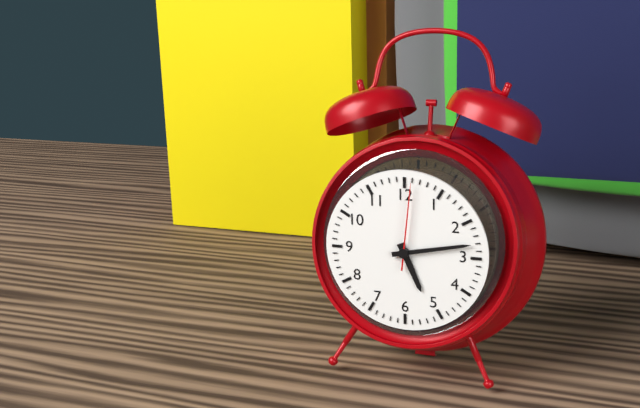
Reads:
5,13,01
